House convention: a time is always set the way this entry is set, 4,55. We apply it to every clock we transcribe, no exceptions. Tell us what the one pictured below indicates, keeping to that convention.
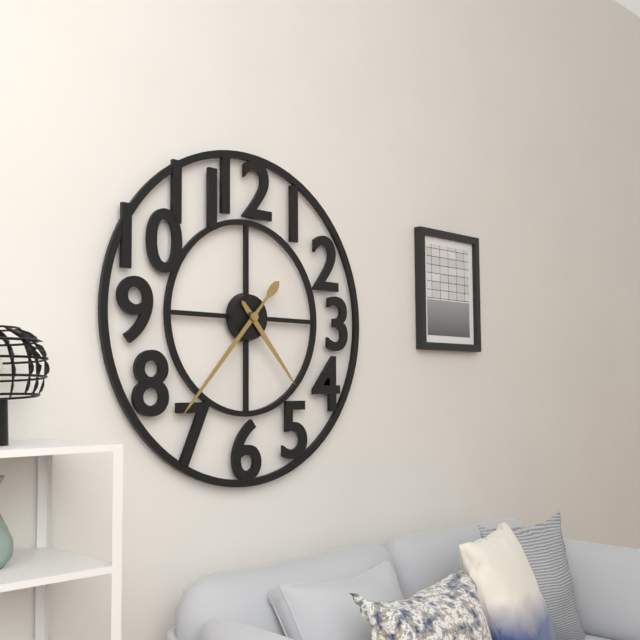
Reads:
4,37
